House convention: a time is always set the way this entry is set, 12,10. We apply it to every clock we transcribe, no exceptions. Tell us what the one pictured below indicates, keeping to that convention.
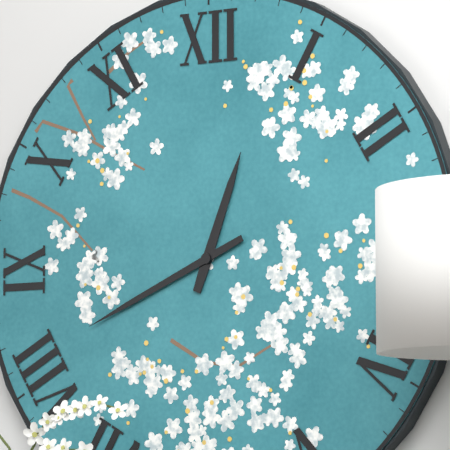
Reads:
12,41
